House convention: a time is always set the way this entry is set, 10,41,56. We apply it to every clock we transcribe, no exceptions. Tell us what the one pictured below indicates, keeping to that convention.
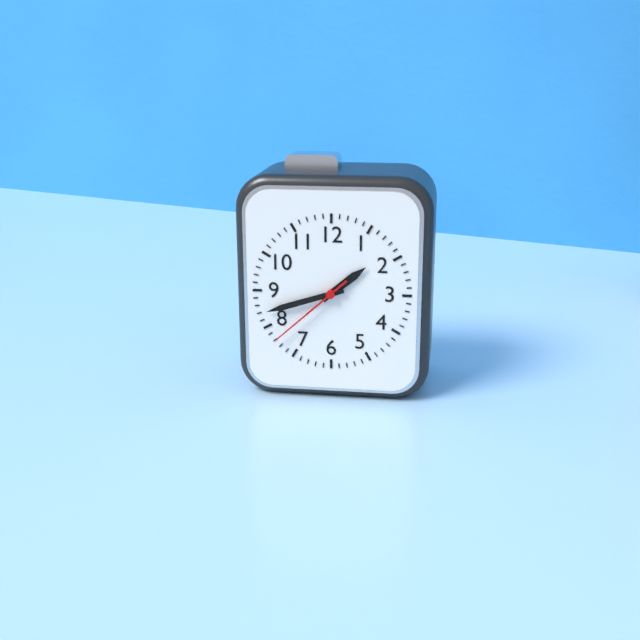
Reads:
1,42,38
